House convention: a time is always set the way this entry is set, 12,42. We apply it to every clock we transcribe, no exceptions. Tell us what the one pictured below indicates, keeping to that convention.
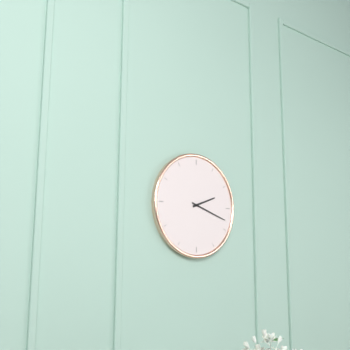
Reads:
2,18
